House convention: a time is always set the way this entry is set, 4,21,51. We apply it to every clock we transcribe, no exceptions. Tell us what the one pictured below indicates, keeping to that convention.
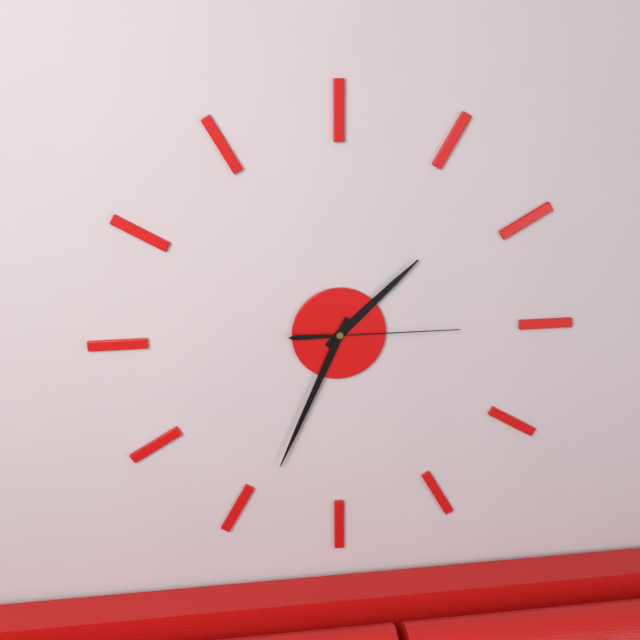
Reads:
1,34,15
